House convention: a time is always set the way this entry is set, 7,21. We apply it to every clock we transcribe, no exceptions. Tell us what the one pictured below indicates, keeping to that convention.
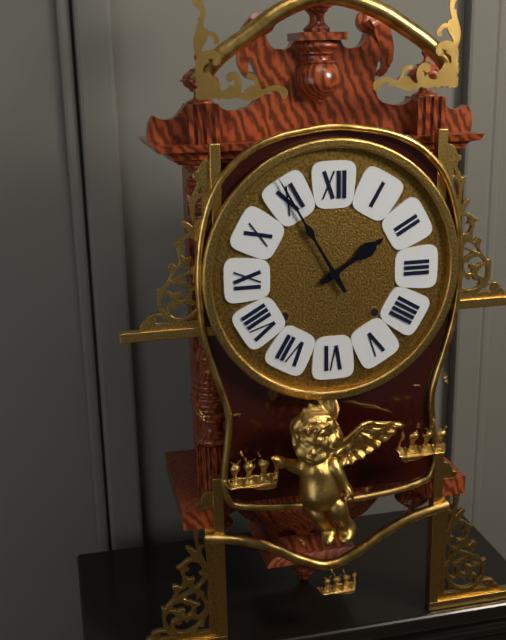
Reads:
1,55
